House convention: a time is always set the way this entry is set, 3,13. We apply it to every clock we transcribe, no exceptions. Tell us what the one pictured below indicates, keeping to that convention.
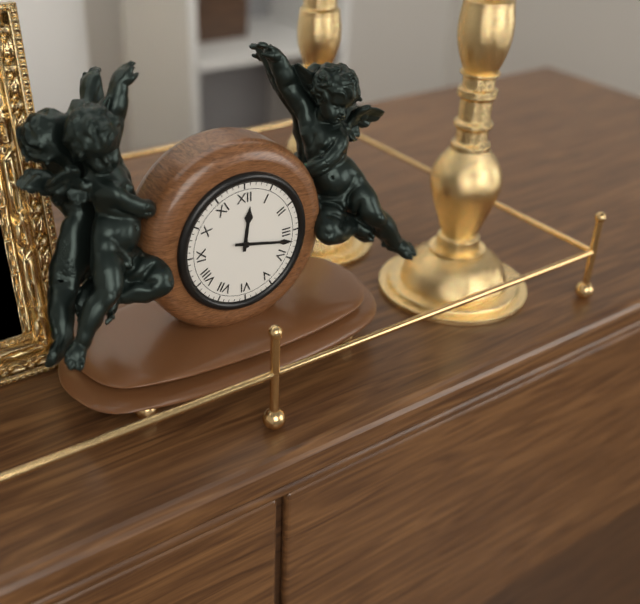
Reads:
12,17
